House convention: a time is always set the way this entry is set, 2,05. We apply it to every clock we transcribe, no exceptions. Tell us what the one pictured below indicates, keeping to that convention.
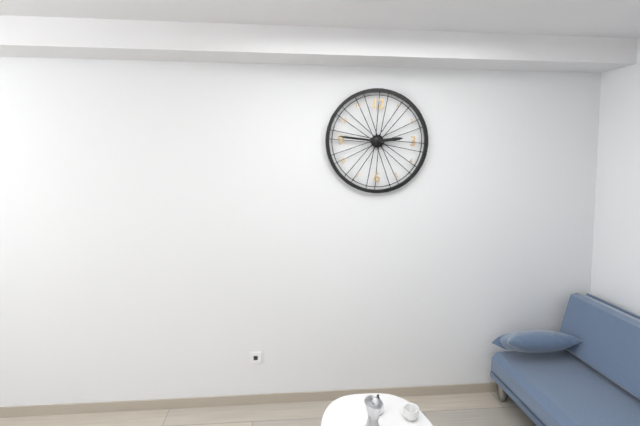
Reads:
2,46
